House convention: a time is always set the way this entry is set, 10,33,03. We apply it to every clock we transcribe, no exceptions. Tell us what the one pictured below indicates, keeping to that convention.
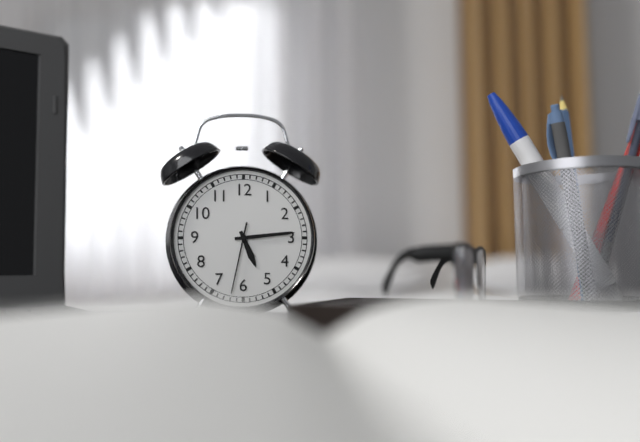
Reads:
5,14,32
